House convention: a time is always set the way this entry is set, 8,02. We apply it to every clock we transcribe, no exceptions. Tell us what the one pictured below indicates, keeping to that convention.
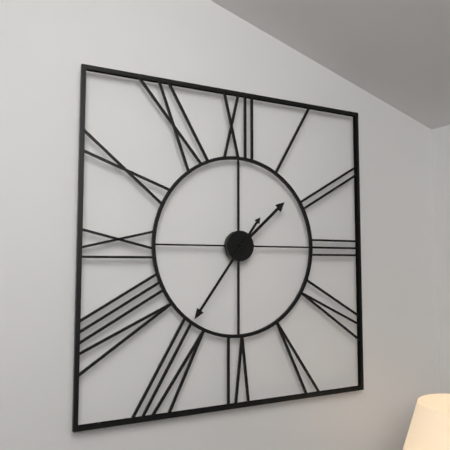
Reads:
1,36
